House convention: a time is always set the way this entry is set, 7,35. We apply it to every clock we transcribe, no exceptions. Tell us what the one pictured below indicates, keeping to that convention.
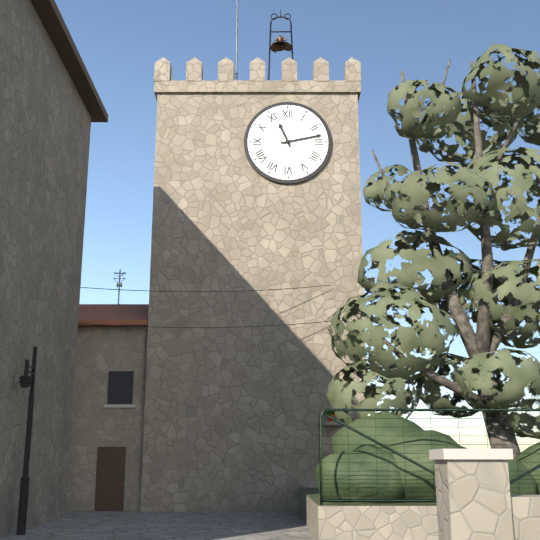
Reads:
11,13
